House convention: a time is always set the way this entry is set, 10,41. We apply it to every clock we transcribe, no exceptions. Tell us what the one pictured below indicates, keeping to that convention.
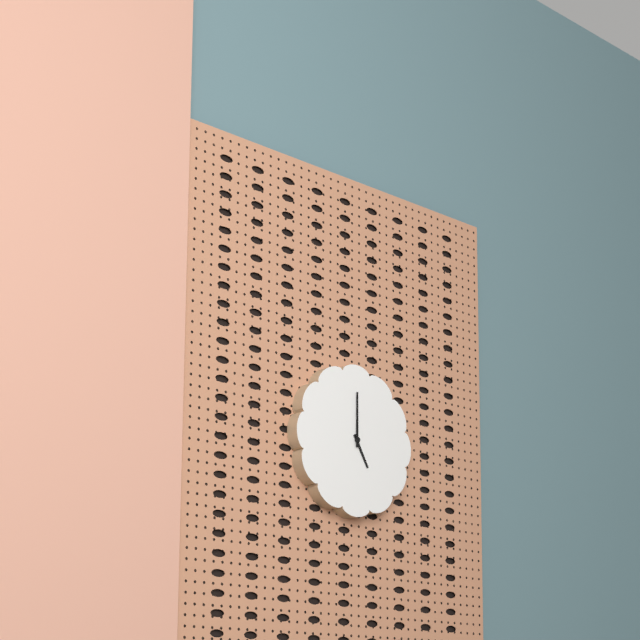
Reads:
5,00
